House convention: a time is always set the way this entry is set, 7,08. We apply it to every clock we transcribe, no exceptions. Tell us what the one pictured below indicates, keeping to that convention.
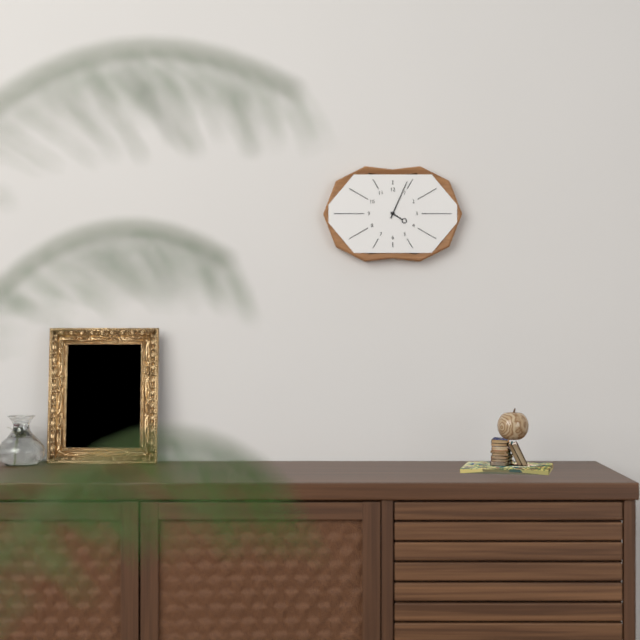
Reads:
4,04
